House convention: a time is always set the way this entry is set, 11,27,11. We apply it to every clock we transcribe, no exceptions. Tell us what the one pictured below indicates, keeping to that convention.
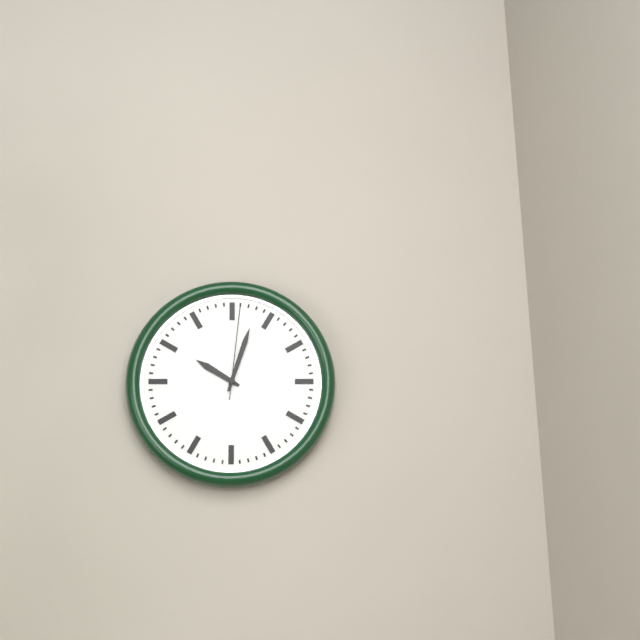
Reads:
10,03,01
